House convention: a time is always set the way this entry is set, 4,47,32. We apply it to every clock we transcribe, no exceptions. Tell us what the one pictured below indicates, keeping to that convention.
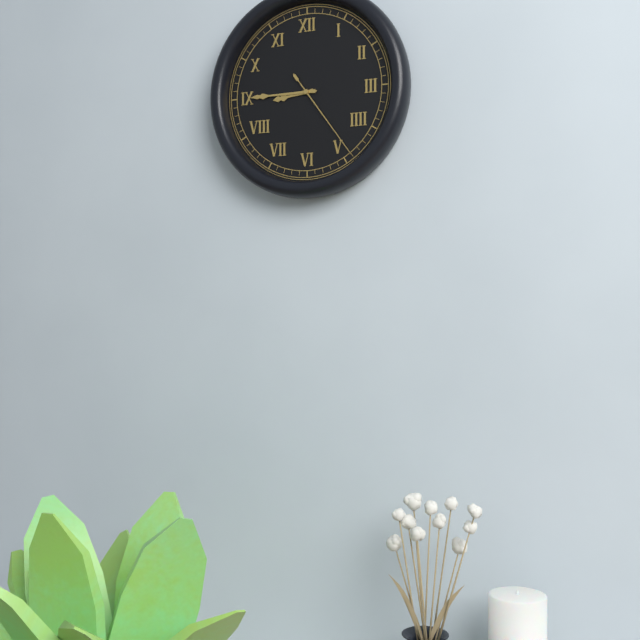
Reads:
8,45,24
